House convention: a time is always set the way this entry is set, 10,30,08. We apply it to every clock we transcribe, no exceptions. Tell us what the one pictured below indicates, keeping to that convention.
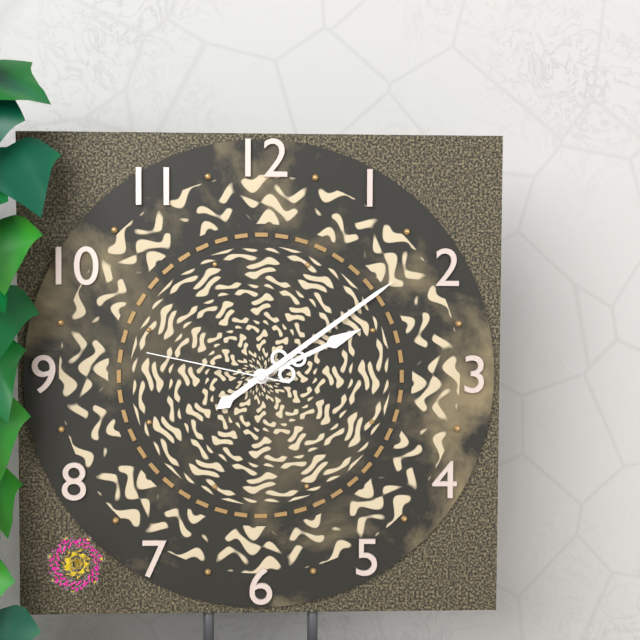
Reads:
2,09,47
